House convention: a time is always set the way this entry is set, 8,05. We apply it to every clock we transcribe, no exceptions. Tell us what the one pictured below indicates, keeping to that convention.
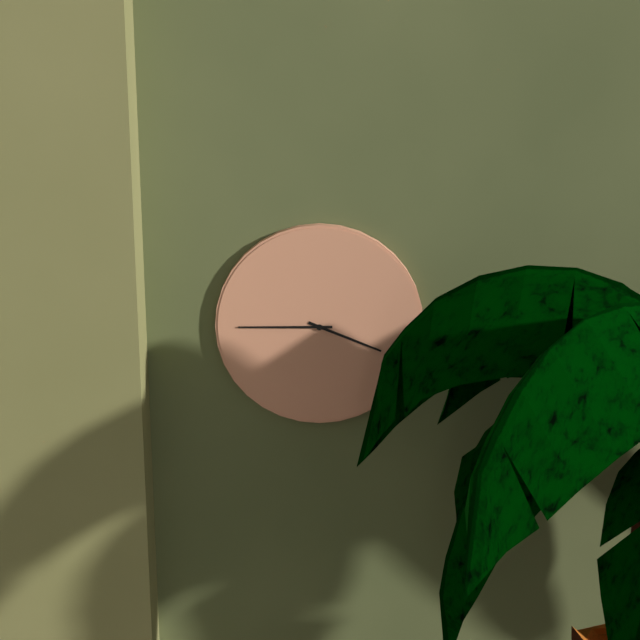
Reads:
3,45
